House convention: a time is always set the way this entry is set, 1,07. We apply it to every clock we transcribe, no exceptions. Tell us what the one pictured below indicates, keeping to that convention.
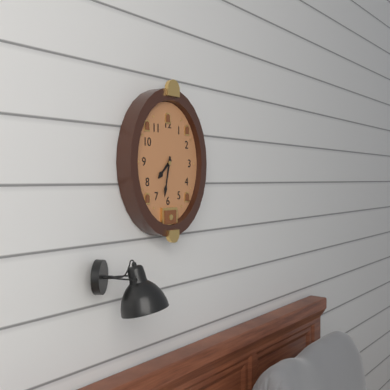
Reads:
7,32
